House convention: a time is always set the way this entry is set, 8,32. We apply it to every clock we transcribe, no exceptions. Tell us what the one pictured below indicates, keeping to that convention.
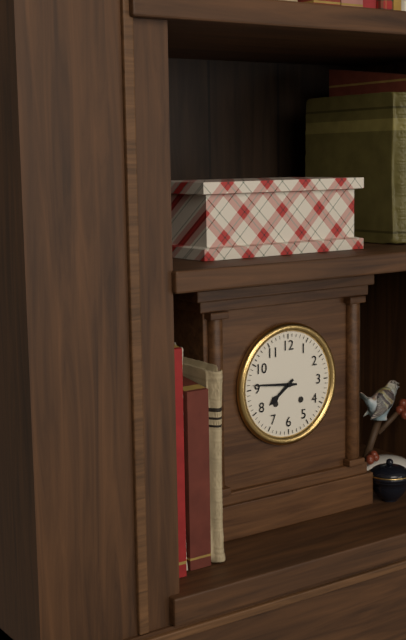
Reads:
7,46
